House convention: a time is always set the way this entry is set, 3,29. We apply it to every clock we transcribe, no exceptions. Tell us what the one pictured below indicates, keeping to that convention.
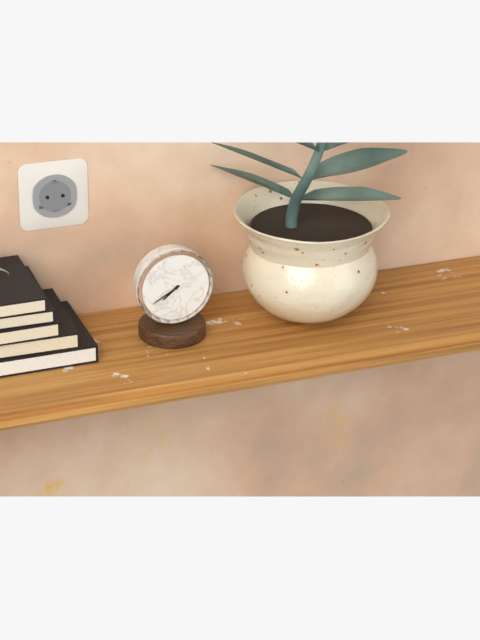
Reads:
7,40
